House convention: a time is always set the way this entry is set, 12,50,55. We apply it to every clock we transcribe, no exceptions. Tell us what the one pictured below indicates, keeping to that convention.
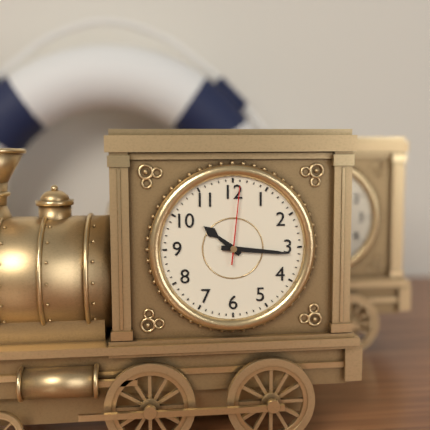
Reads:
10,16,01
